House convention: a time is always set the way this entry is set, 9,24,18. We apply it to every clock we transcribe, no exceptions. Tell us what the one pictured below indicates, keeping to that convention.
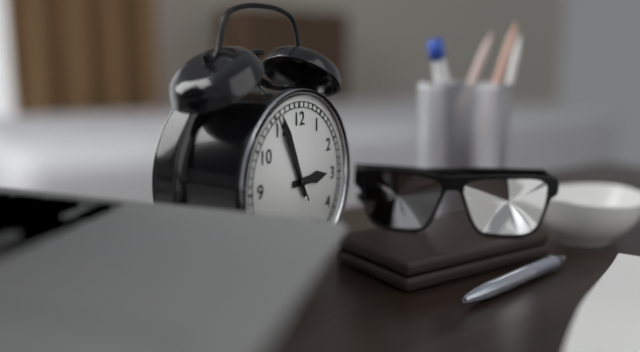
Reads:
2,56,55
